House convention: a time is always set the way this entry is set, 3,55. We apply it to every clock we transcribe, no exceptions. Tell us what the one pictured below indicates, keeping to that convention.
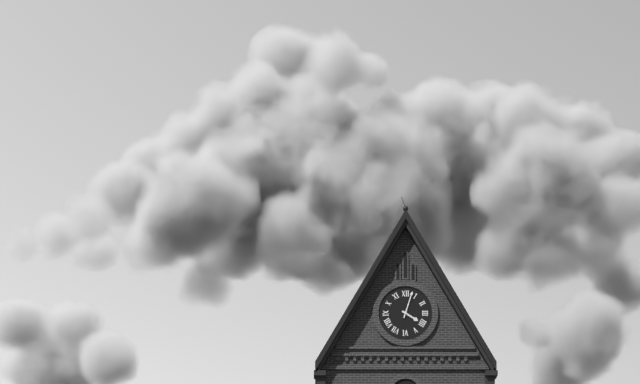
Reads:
4,03
